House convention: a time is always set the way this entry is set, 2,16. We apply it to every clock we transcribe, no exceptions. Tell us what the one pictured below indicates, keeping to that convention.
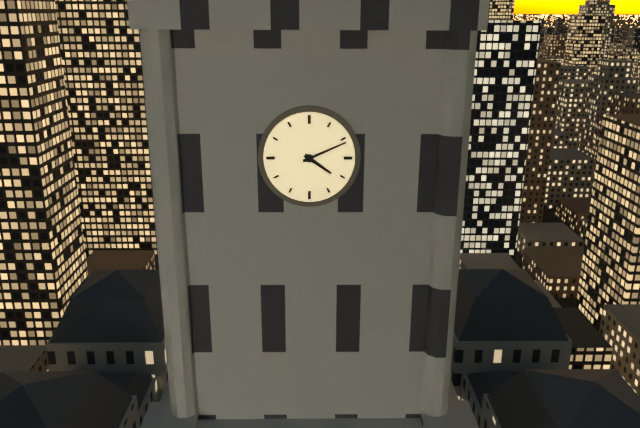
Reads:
4,11
